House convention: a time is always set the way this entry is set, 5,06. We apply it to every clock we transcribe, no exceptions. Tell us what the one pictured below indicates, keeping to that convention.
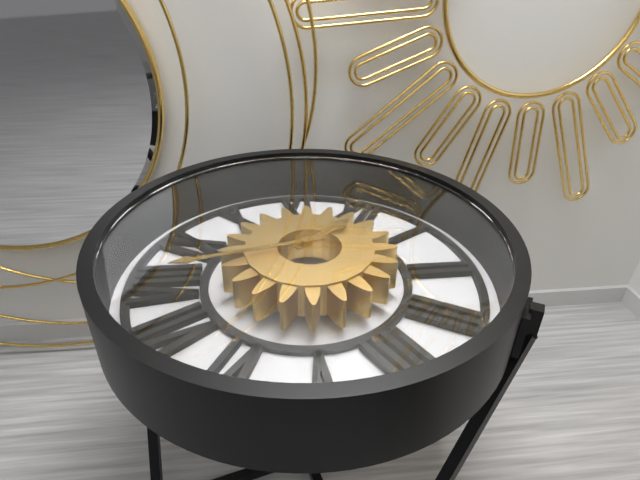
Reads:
12,38
